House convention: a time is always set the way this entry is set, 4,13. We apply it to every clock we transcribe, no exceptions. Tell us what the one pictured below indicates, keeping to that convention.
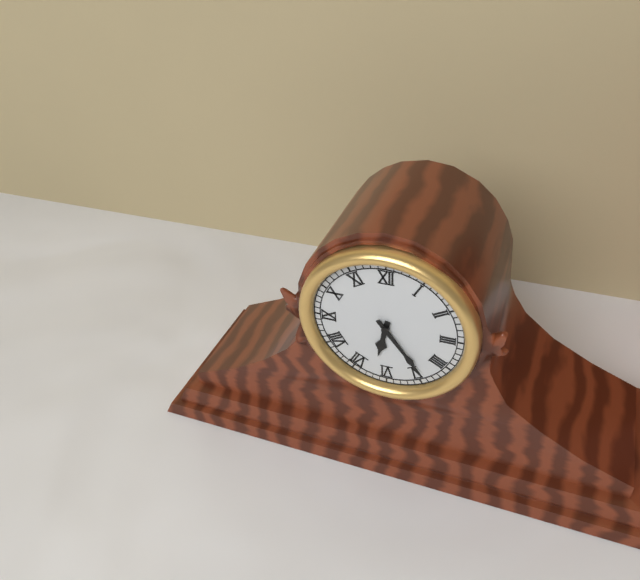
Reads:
6,24
